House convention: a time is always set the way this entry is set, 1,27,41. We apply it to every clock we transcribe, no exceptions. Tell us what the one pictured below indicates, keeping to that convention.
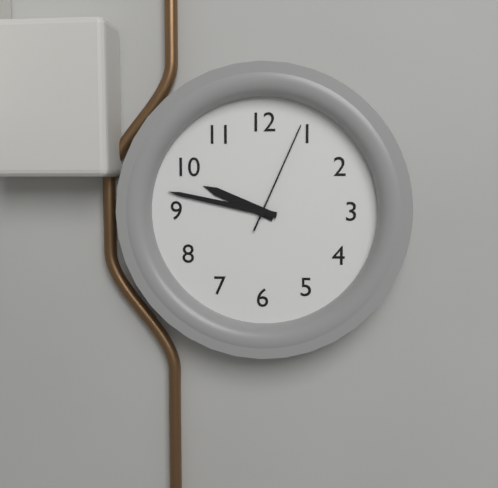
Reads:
9,47,04
